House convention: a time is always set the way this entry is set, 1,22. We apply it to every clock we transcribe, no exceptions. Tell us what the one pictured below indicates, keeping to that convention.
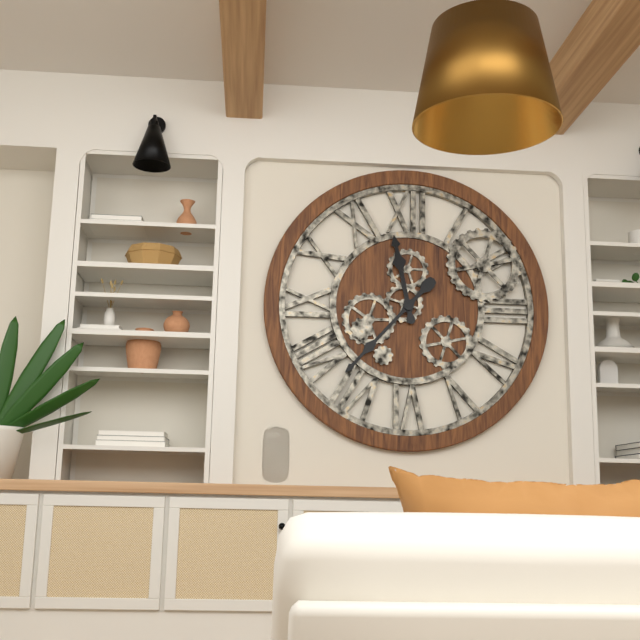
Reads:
11,37
